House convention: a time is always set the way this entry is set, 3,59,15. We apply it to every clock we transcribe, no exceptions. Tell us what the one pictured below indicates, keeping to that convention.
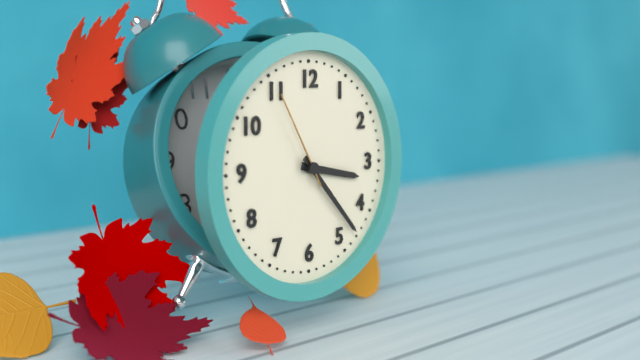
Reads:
3,23,55
